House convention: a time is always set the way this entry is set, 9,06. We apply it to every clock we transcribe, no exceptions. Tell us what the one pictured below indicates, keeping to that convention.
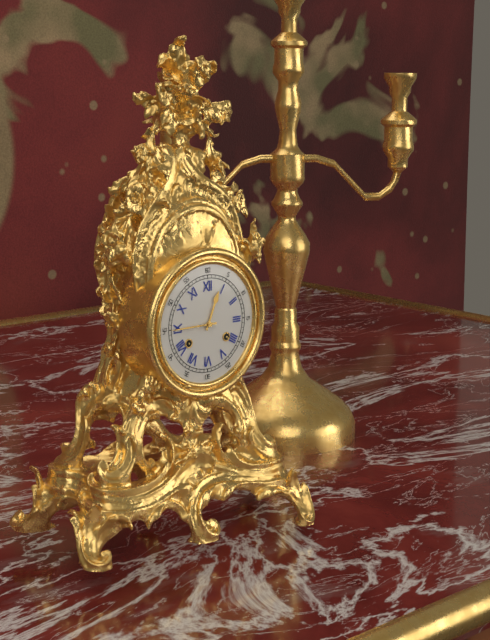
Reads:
12,45
